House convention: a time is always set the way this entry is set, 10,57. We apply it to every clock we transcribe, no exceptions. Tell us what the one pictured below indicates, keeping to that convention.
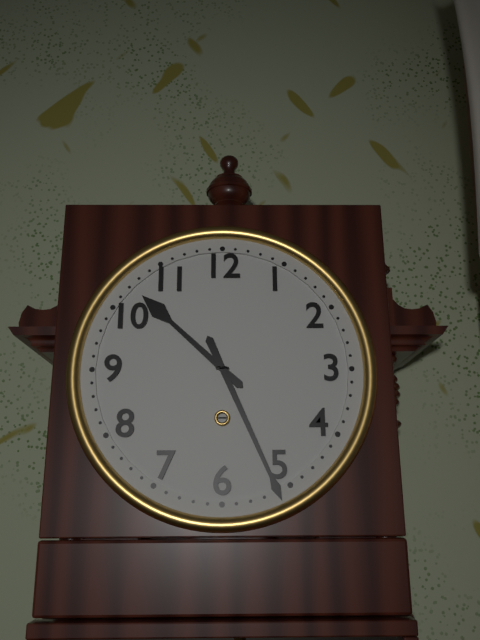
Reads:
10,26
